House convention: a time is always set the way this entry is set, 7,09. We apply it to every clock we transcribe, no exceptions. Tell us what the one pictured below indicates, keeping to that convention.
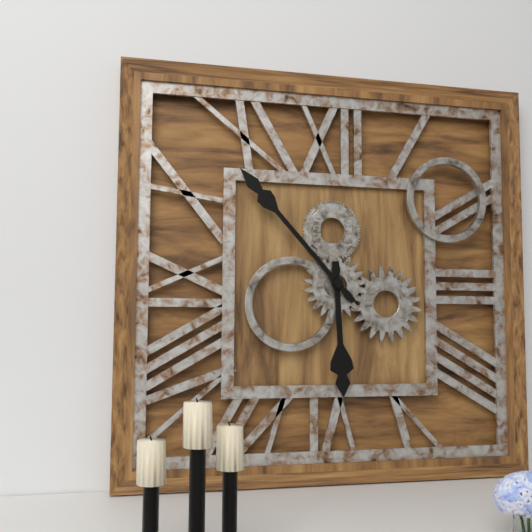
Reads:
5,53
